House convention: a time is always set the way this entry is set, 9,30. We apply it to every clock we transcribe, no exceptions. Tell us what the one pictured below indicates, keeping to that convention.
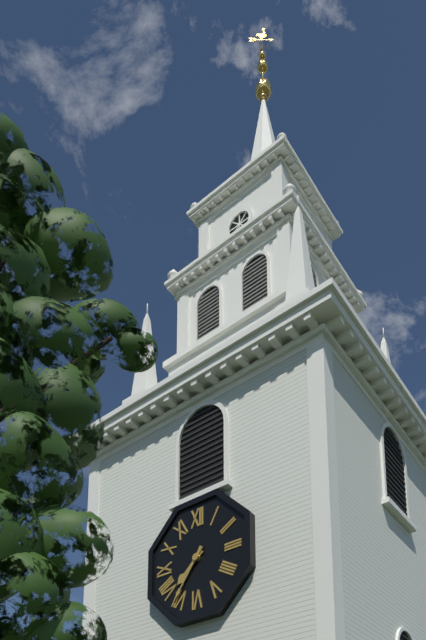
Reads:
7,36
